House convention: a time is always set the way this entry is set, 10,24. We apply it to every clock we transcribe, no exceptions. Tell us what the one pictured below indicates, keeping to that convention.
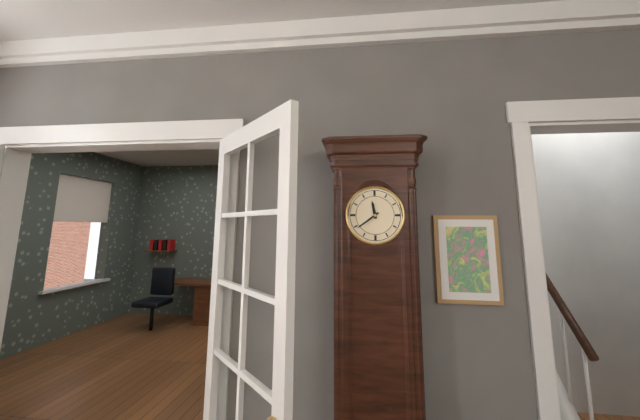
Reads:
11,39
